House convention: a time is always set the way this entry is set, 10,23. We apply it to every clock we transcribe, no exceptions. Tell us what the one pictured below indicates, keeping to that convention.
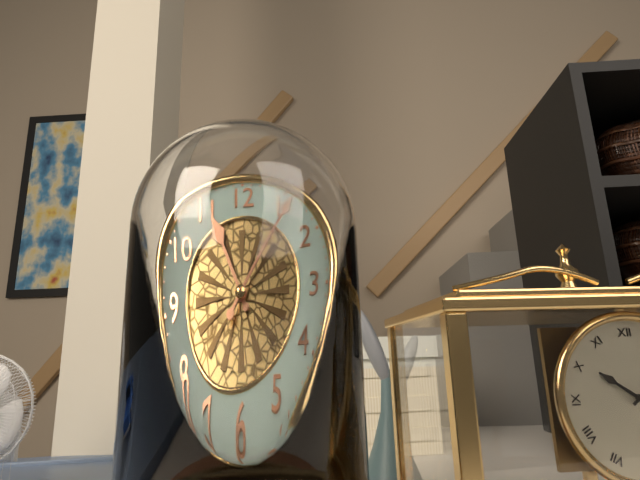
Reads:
11,06
